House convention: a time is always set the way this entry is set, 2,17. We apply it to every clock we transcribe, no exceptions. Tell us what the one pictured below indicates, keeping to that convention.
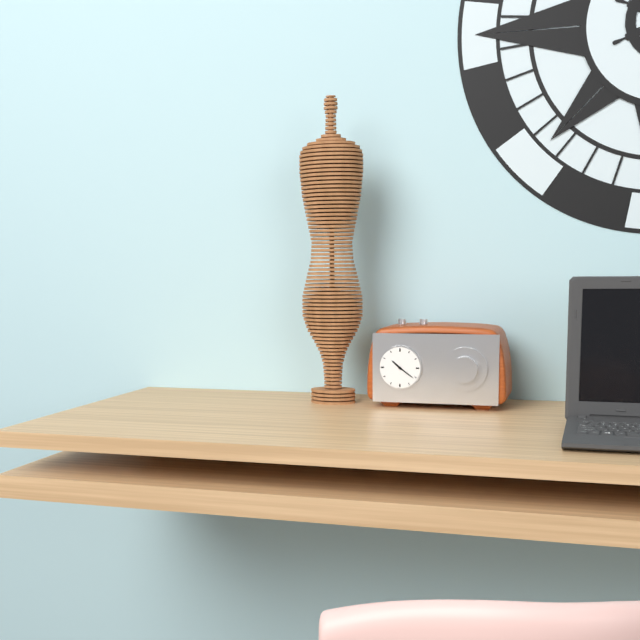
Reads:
10,21
